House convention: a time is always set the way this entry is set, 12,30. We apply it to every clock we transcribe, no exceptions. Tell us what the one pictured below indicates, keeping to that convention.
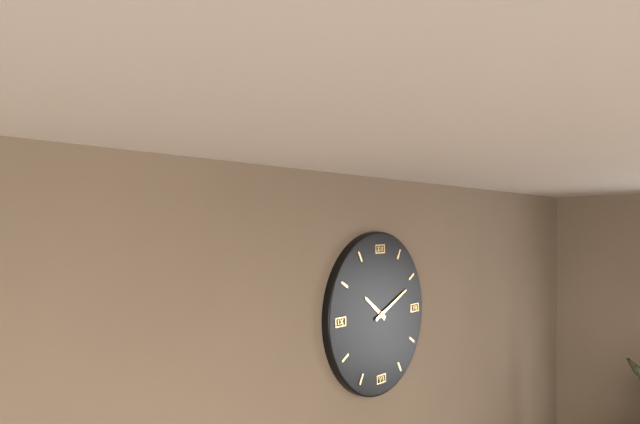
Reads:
10,11
